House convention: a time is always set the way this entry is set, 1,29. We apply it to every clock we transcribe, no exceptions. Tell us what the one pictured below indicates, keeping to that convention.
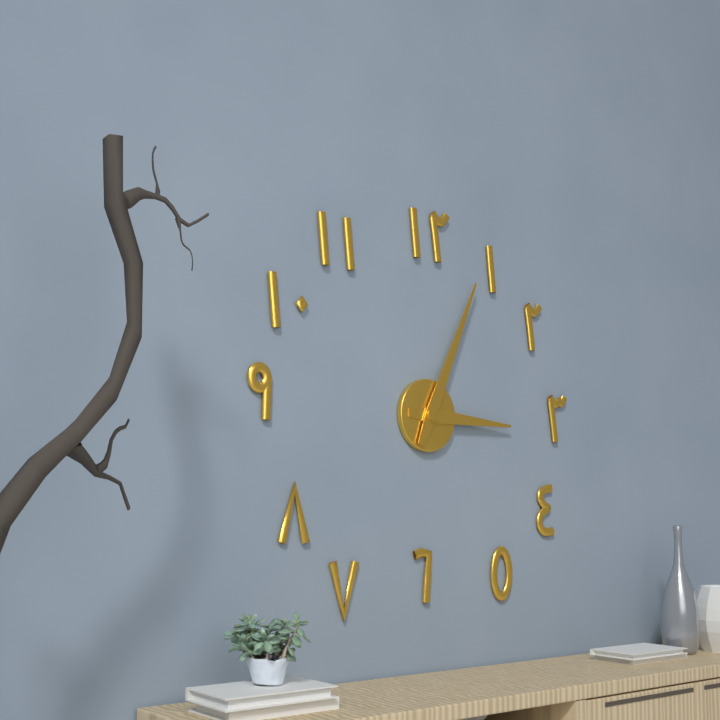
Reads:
3,04
